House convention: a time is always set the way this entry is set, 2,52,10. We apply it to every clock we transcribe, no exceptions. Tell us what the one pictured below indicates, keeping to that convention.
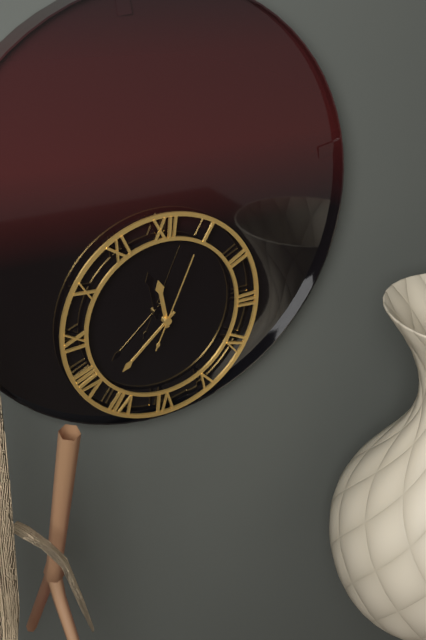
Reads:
11,38,04
